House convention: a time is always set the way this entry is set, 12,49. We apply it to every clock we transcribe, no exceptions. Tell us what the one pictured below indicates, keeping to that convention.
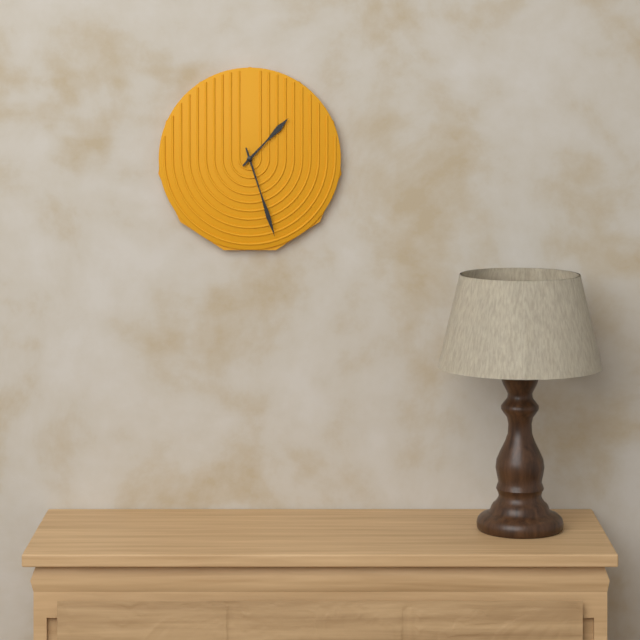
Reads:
1,27
